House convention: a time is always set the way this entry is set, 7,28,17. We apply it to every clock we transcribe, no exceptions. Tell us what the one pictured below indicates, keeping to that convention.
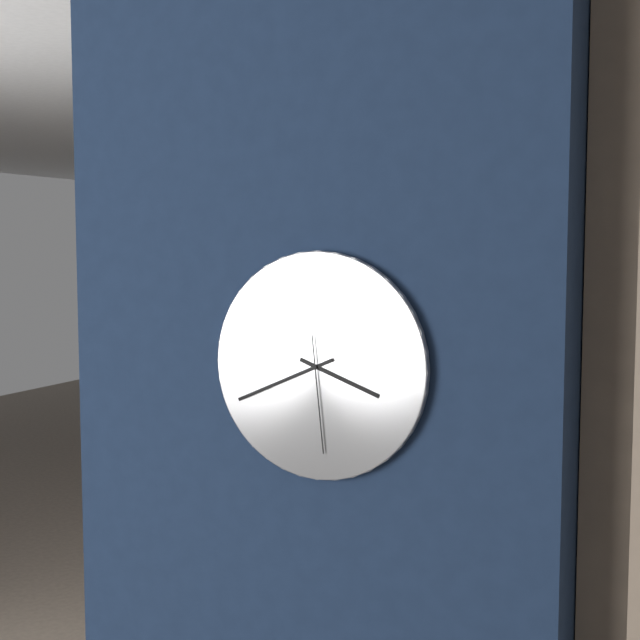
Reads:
3,41,29
